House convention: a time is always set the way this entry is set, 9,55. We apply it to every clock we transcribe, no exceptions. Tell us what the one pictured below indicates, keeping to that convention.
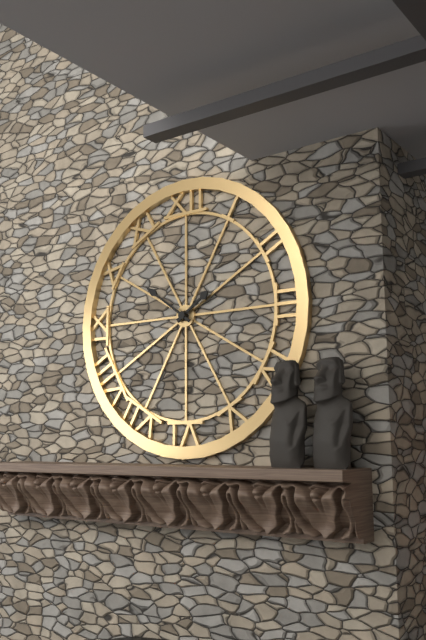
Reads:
1,51
